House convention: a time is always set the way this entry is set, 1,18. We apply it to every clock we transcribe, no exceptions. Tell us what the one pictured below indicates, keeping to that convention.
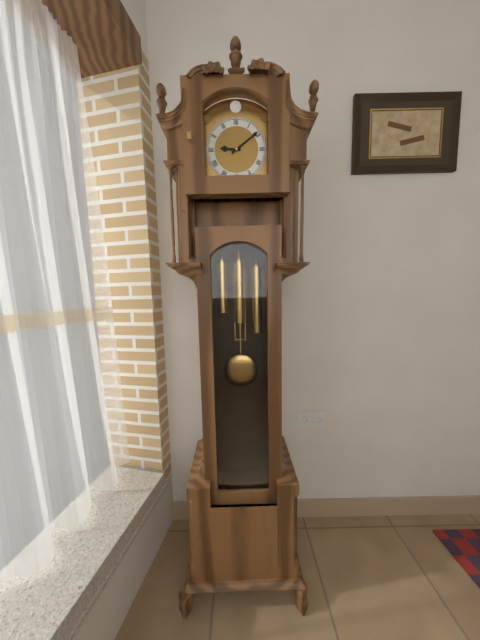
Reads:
9,09
